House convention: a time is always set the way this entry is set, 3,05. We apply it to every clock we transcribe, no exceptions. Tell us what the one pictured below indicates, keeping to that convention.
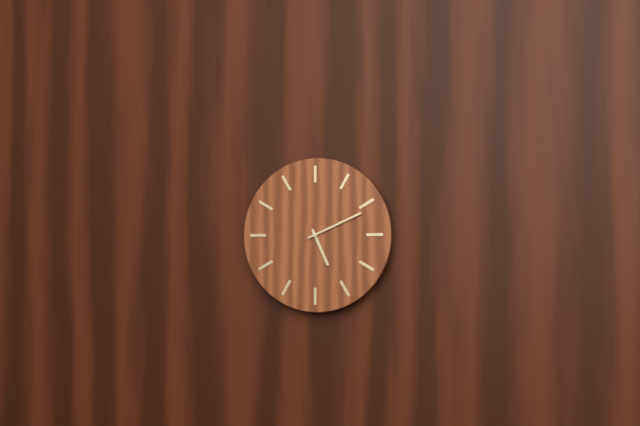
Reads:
5,11
